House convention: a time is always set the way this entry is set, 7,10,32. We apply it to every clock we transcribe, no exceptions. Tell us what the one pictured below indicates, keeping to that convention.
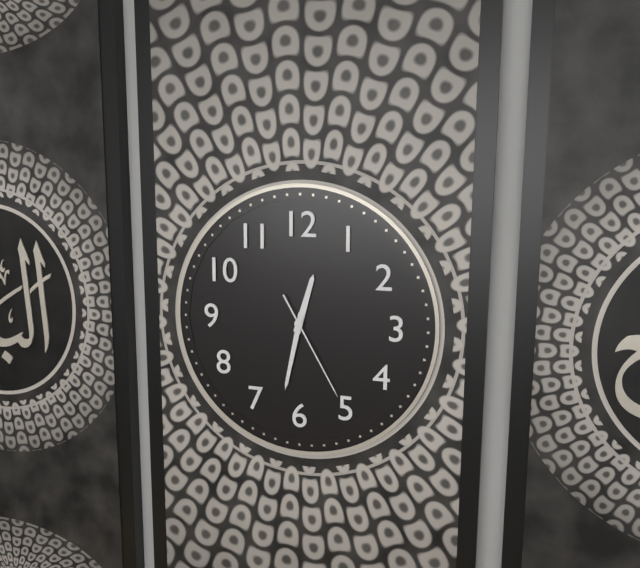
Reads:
12,32,25
